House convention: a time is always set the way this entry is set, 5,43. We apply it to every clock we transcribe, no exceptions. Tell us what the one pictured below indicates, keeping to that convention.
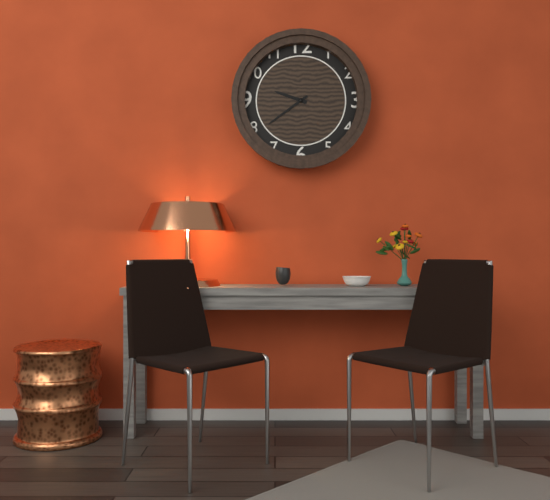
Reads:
9,39
